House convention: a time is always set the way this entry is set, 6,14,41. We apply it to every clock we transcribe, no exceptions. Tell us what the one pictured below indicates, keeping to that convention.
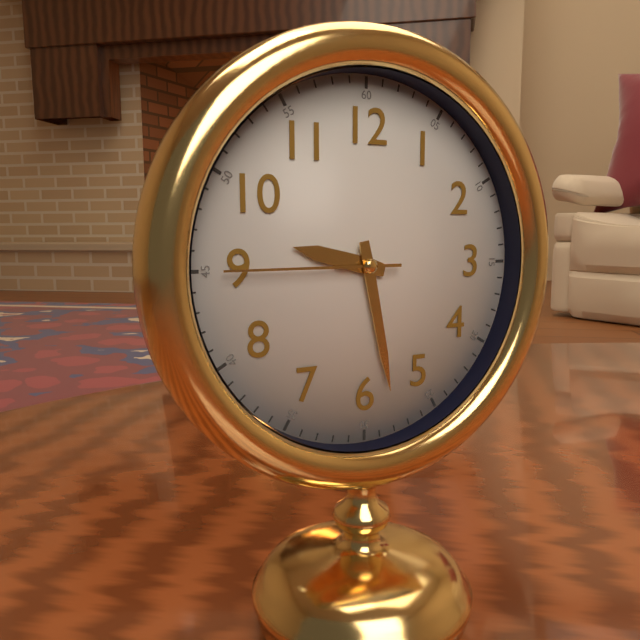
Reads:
9,28,45
